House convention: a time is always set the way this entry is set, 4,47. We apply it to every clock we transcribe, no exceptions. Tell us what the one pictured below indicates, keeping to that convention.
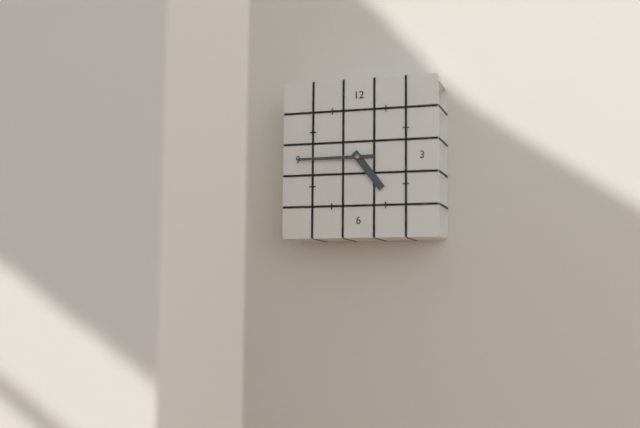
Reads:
4,45
